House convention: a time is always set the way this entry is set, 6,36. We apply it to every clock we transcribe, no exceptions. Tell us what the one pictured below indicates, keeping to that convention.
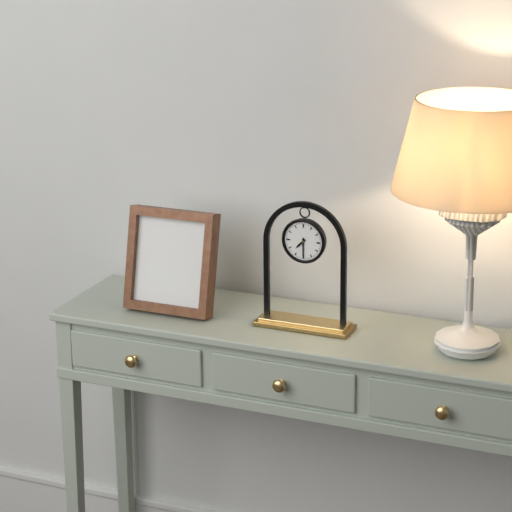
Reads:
7,30
